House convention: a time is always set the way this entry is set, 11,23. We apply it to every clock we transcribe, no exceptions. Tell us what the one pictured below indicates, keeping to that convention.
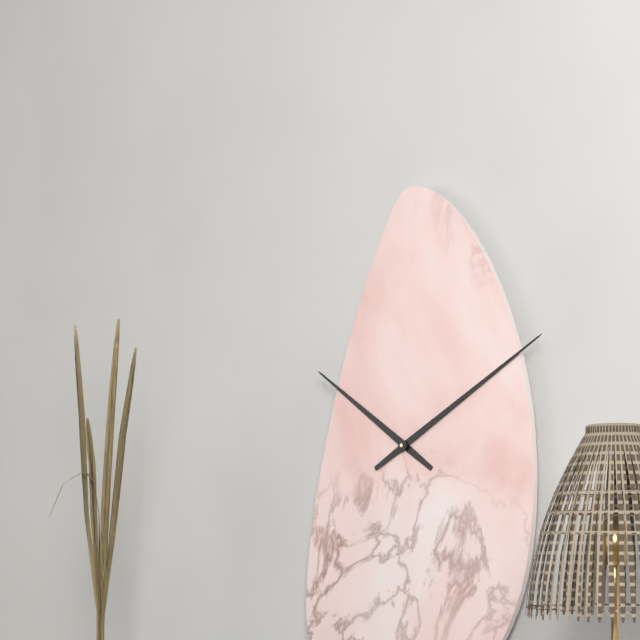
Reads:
10,10
